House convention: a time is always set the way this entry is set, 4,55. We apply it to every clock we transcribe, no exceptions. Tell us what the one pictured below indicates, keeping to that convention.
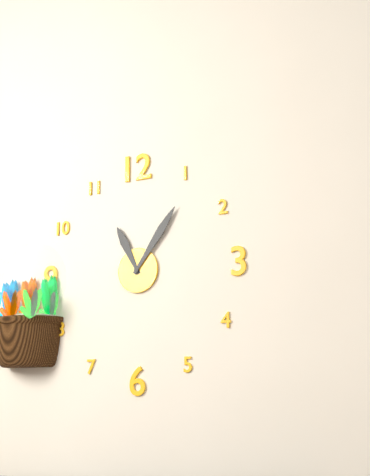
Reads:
11,06
